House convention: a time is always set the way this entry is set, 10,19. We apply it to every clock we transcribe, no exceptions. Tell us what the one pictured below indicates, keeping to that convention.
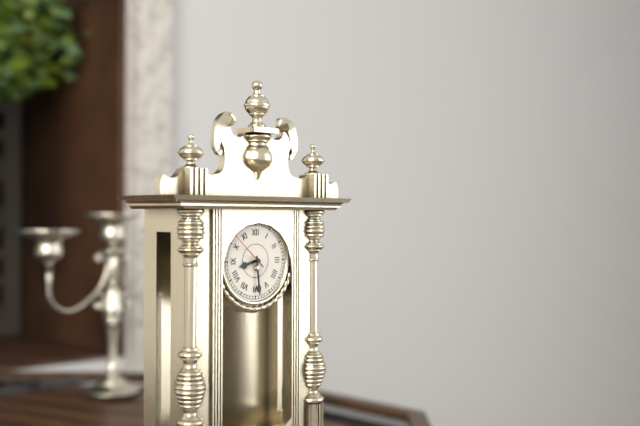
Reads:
8,29
